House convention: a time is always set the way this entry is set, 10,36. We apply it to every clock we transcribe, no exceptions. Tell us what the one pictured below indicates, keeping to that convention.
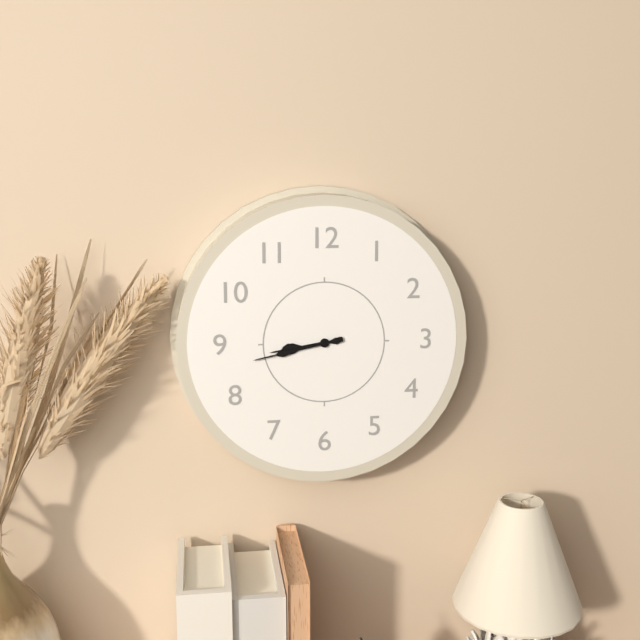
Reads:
8,43
